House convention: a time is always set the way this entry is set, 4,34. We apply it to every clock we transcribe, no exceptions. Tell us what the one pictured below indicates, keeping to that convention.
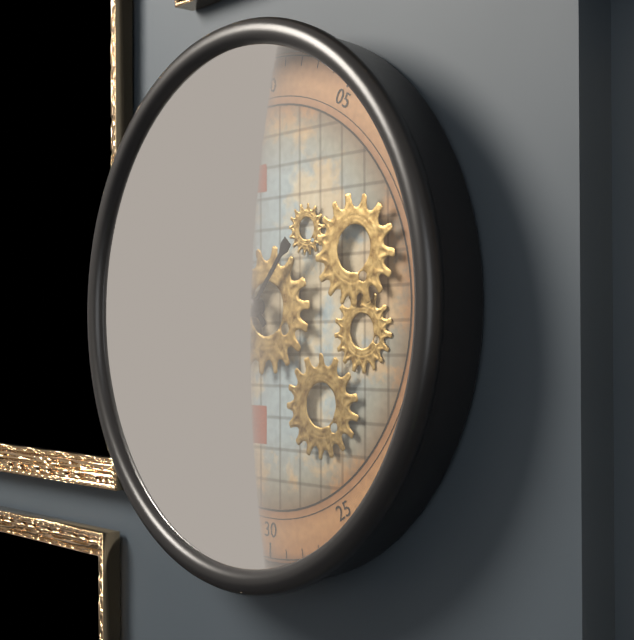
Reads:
10,37
